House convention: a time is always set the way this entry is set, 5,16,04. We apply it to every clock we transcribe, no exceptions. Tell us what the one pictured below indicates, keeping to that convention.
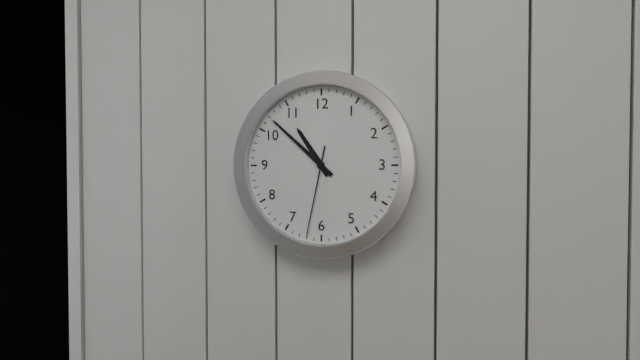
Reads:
10,52,32
